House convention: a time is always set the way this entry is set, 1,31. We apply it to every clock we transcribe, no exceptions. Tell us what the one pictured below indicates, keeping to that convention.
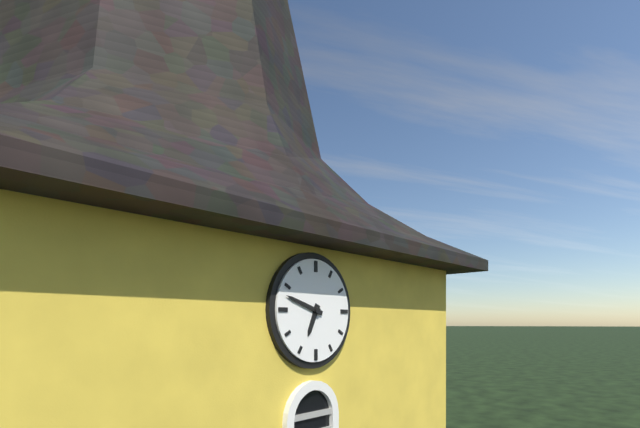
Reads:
6,48
